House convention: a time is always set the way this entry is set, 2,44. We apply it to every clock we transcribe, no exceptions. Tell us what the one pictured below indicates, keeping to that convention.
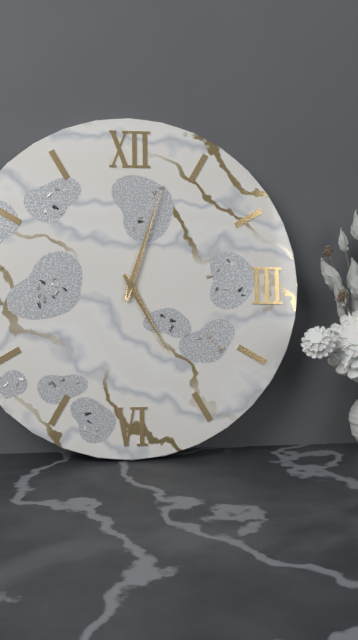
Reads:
5,03
